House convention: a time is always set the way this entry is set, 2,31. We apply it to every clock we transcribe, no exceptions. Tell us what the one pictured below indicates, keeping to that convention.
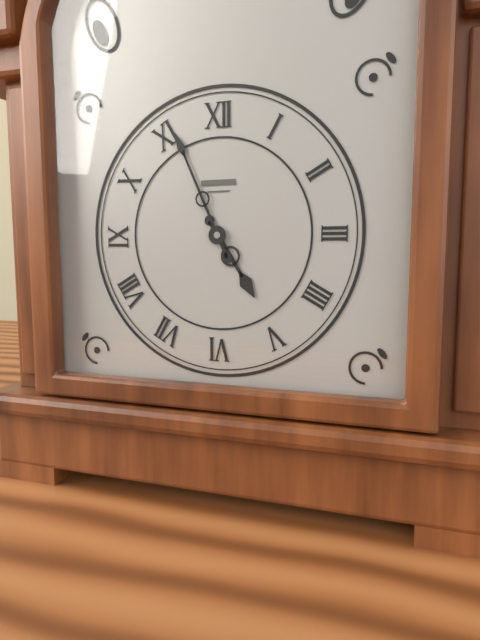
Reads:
4,56
